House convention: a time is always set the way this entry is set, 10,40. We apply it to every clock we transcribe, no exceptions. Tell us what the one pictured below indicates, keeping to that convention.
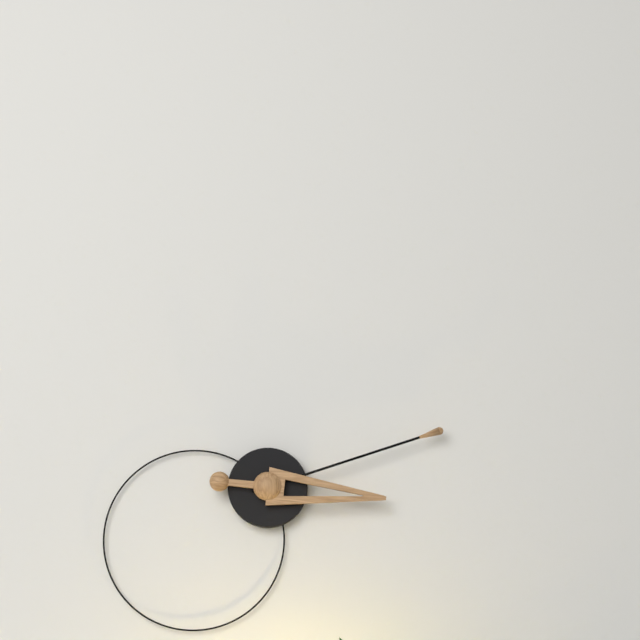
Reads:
3,12
